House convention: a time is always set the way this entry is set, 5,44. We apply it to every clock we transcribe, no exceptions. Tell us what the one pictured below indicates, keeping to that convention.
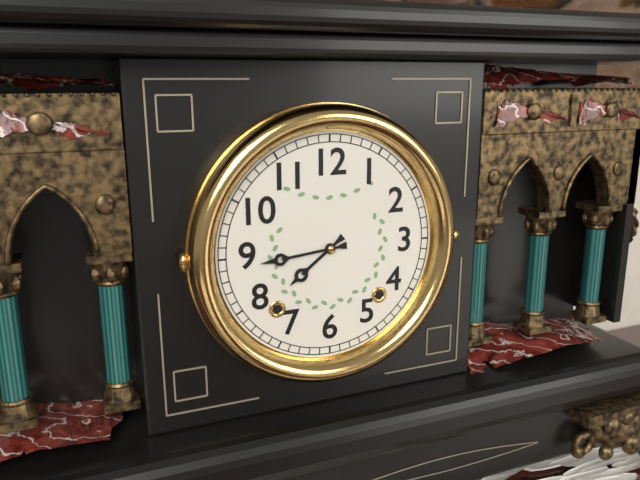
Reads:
7,44
